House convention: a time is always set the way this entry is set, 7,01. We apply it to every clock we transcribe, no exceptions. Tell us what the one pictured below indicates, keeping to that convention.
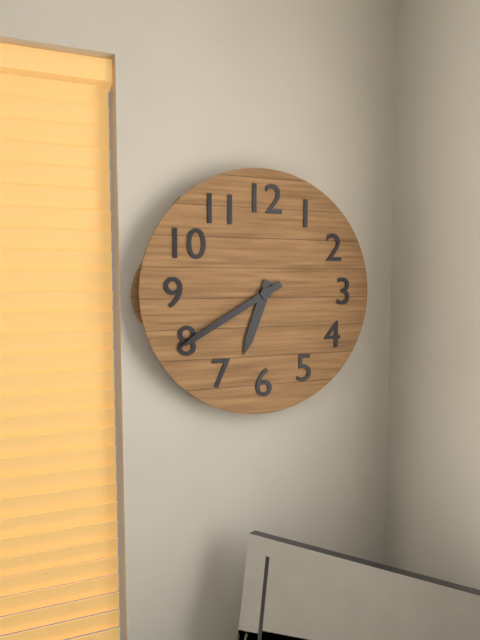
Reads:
6,40
